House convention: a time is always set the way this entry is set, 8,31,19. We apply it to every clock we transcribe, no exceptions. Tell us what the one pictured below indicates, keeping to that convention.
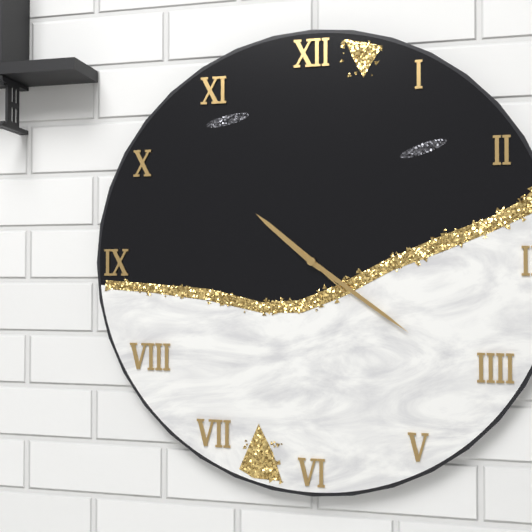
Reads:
10,21,22
